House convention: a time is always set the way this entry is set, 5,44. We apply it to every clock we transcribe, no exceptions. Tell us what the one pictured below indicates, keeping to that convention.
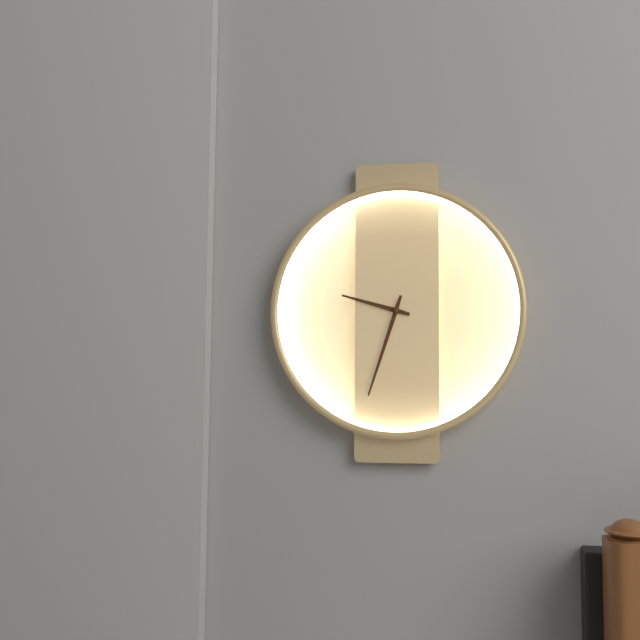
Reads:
9,33
